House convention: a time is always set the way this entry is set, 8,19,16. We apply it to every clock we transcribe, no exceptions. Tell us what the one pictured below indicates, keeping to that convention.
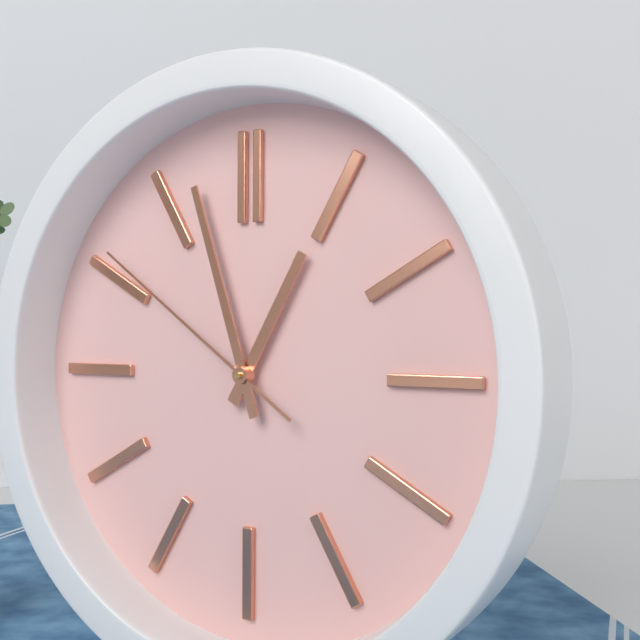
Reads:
12,57,51
